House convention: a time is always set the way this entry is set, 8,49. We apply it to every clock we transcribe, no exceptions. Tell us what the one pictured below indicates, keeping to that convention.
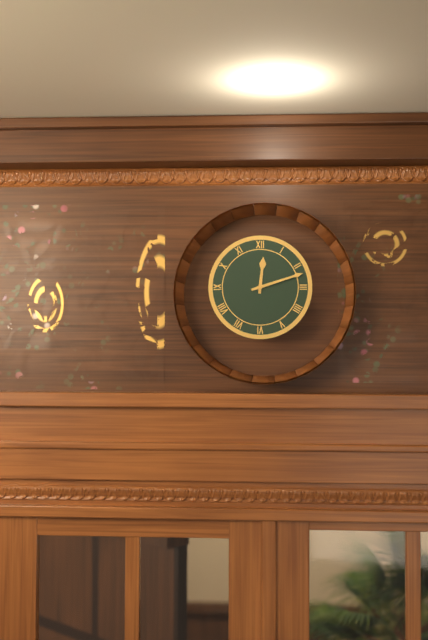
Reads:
12,12
